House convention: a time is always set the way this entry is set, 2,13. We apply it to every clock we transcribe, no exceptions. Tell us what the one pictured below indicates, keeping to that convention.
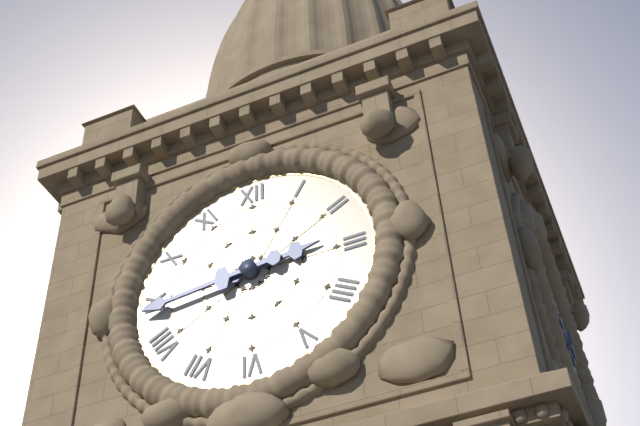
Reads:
2,44
